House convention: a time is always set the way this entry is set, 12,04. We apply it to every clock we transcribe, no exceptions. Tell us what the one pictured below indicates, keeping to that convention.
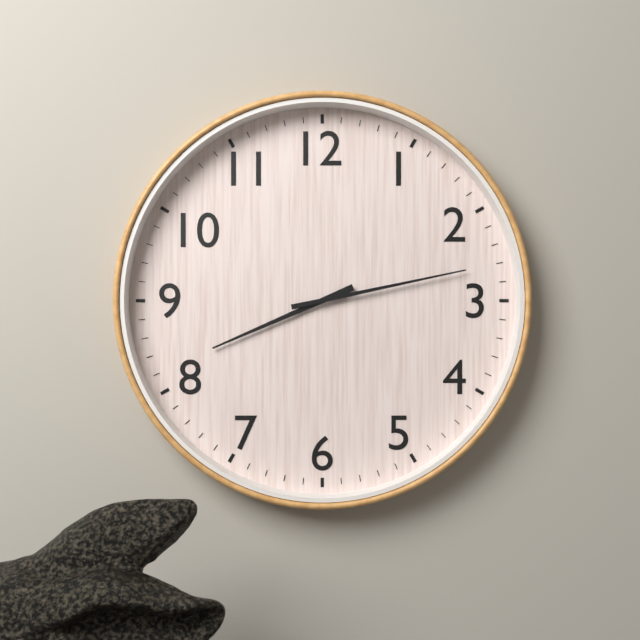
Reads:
8,13
